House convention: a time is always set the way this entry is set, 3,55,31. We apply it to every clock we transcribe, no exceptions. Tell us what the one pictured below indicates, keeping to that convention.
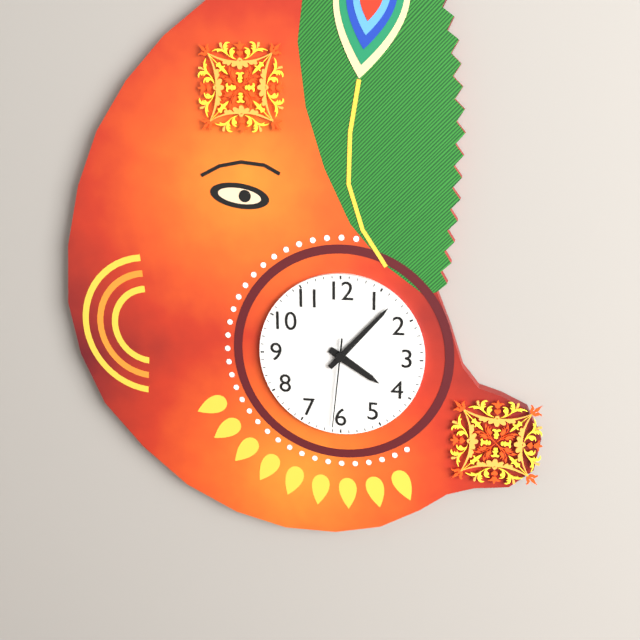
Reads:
4,07,31
